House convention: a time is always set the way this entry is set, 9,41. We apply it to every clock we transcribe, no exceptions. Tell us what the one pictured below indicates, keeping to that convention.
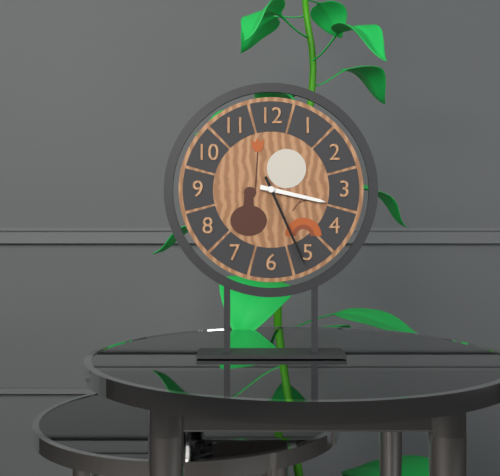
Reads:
3,26
